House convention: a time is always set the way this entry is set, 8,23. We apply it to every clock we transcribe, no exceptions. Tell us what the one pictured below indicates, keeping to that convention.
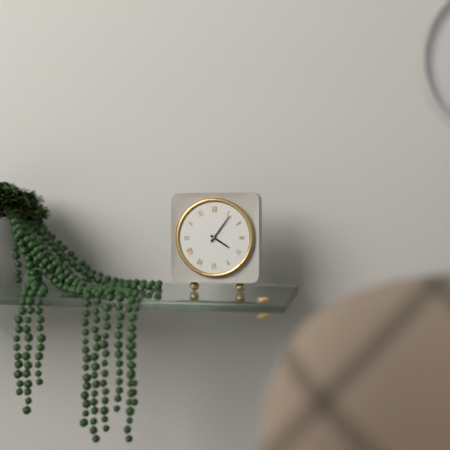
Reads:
4,06
